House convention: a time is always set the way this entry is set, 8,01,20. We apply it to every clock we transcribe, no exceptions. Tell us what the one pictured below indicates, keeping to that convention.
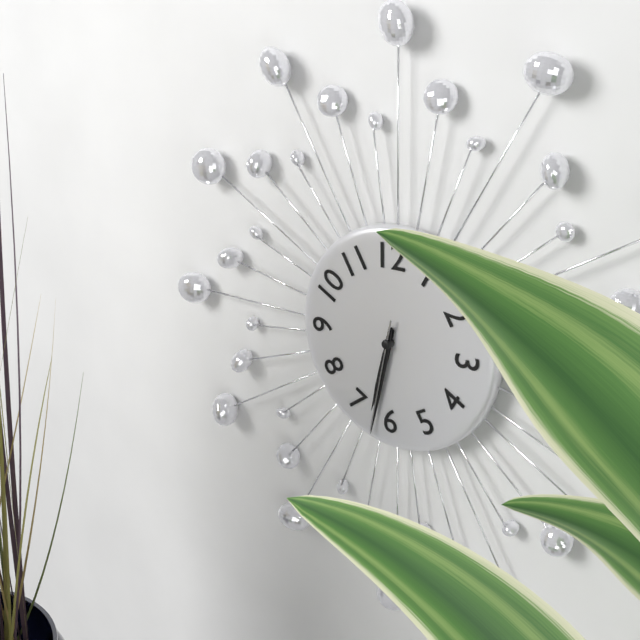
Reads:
6,32,32
